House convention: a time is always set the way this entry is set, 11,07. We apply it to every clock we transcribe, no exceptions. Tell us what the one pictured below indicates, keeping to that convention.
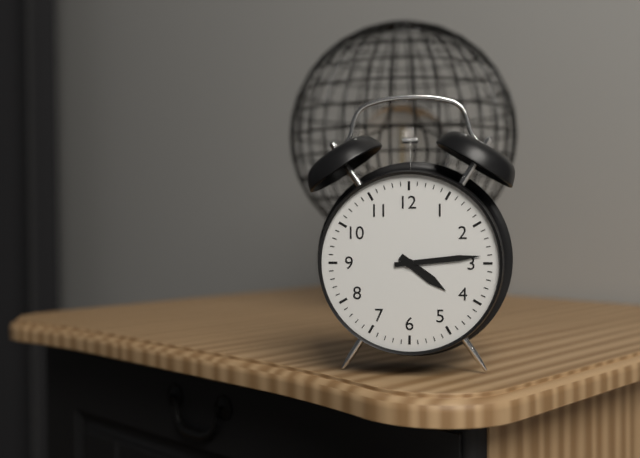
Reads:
4,14
